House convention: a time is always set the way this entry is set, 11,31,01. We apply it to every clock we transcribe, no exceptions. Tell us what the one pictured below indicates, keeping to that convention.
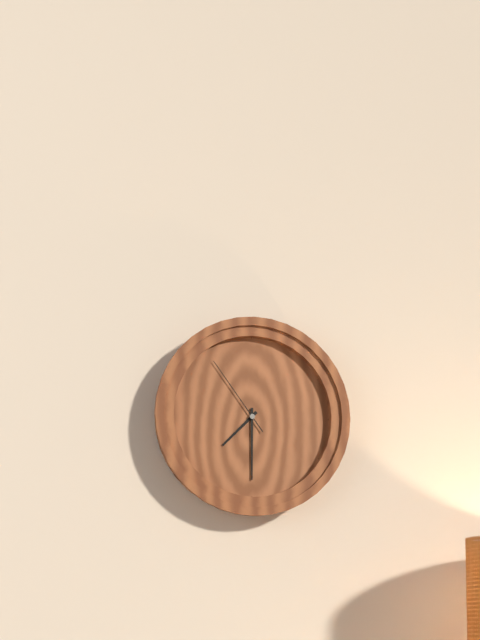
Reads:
7,30,54
